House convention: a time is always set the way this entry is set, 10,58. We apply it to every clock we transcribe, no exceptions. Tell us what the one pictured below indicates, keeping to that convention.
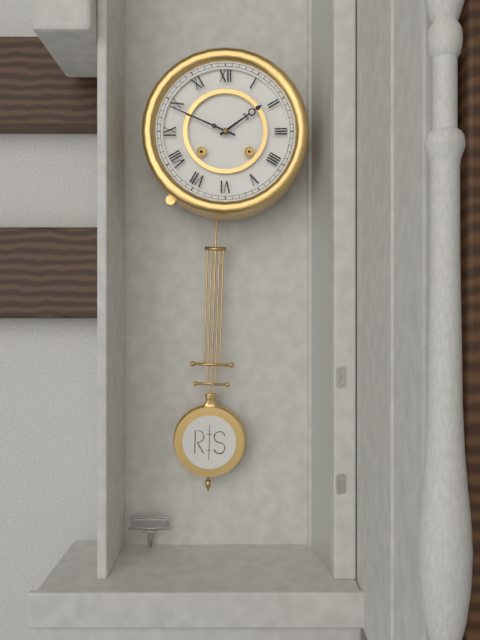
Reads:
1,49
